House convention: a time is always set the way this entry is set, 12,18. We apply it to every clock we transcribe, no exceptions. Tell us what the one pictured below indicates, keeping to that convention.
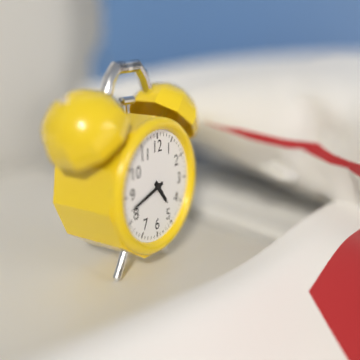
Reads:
4,42
